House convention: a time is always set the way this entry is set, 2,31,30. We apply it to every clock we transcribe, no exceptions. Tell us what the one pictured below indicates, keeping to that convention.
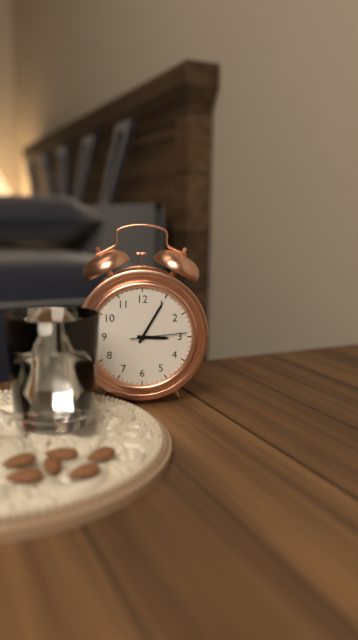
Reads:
3,05,14
